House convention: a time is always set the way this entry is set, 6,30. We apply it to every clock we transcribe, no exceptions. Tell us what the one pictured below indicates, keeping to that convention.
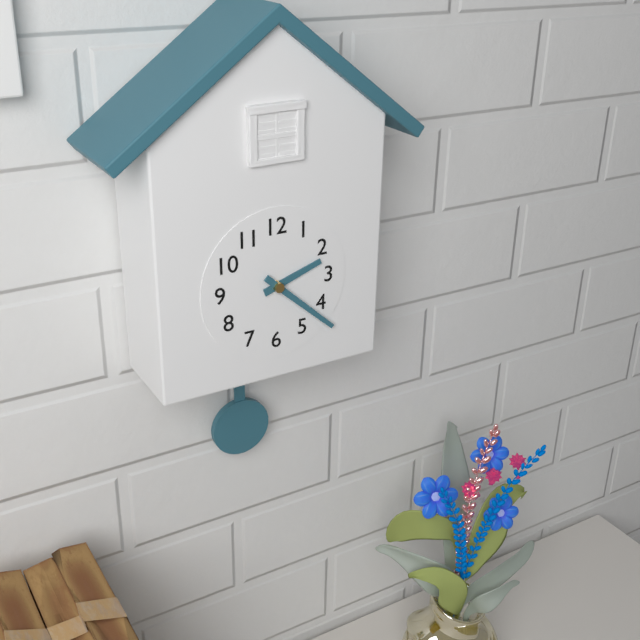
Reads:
2,22
